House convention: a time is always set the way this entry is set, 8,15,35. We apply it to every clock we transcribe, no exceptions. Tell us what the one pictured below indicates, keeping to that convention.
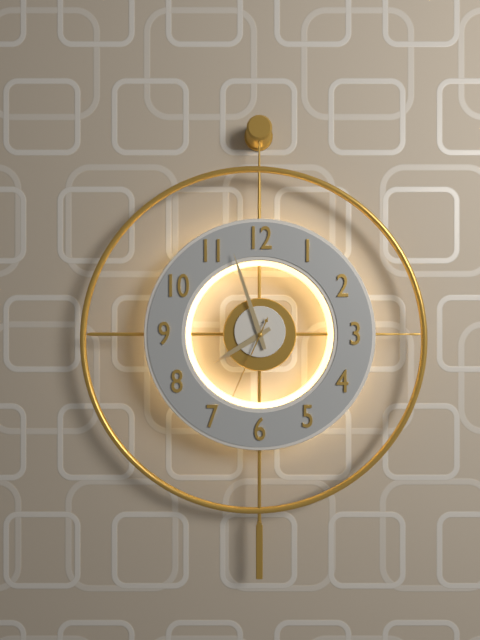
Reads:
7,57,34
